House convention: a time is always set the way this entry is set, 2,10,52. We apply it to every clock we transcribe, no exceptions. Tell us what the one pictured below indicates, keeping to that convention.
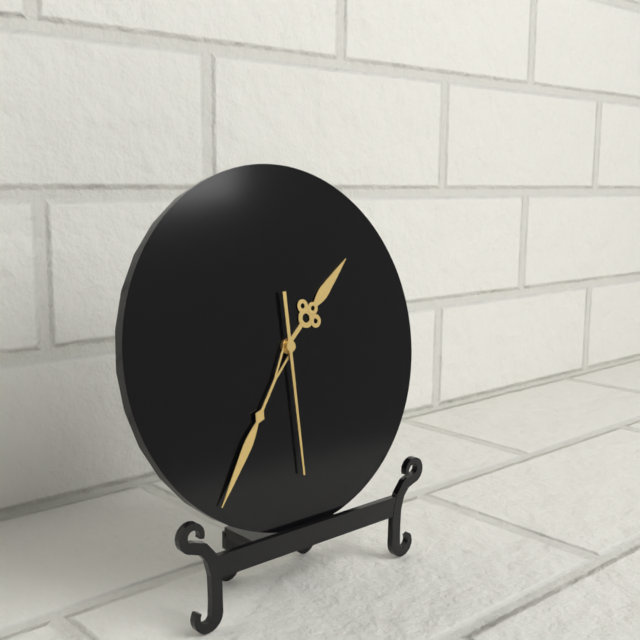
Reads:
1,36,30
